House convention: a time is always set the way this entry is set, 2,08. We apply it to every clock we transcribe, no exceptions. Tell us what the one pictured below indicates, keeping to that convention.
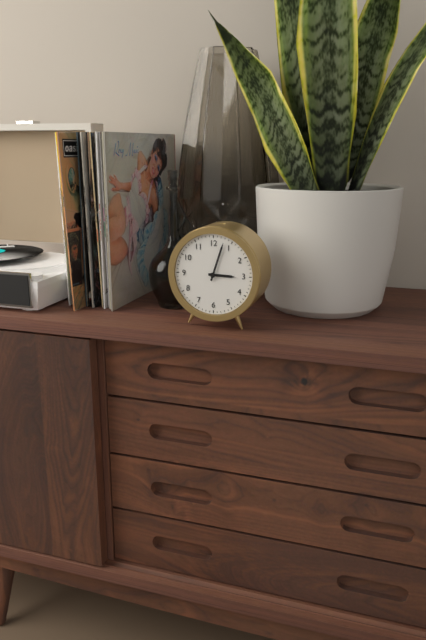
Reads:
3,03
